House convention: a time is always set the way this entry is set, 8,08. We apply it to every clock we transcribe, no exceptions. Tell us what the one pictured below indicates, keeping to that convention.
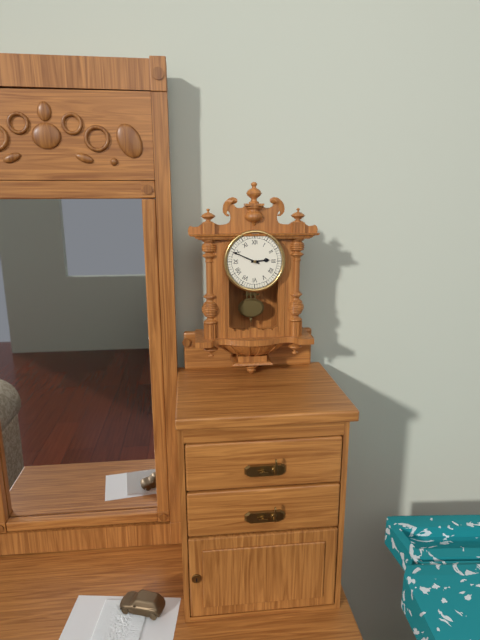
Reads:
2,49
